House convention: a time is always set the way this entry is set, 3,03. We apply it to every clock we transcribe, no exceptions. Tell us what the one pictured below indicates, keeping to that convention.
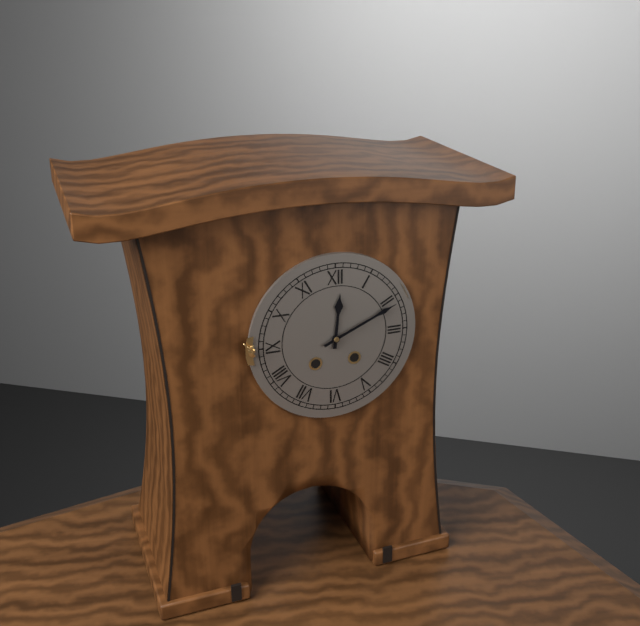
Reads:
12,11
